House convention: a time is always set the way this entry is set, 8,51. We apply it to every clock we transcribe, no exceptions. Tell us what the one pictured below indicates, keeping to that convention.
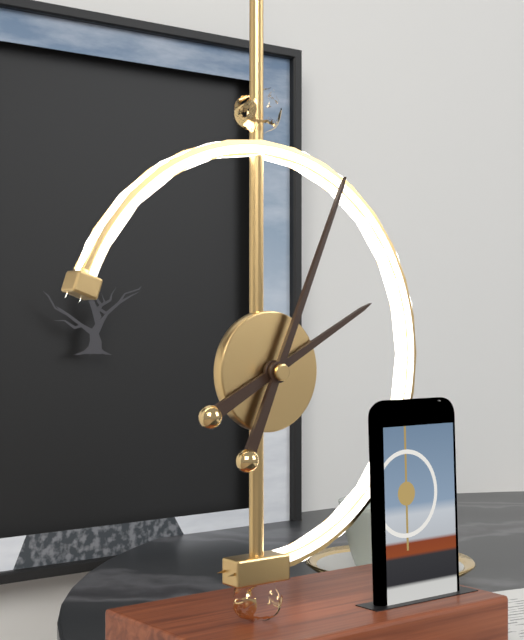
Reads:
2,04
